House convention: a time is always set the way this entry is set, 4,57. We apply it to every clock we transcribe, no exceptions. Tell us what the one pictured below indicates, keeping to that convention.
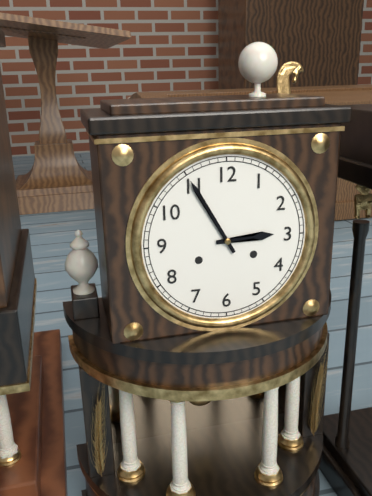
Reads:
2,55
